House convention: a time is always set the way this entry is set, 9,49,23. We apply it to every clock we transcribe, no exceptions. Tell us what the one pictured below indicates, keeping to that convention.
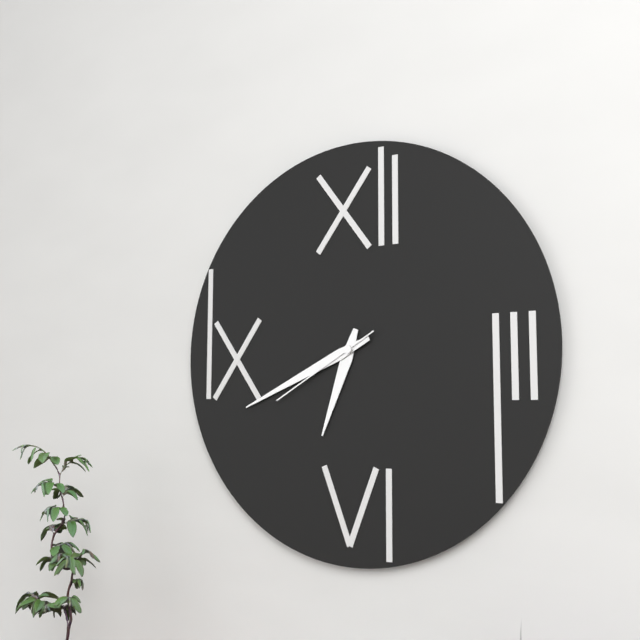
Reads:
6,41,40
